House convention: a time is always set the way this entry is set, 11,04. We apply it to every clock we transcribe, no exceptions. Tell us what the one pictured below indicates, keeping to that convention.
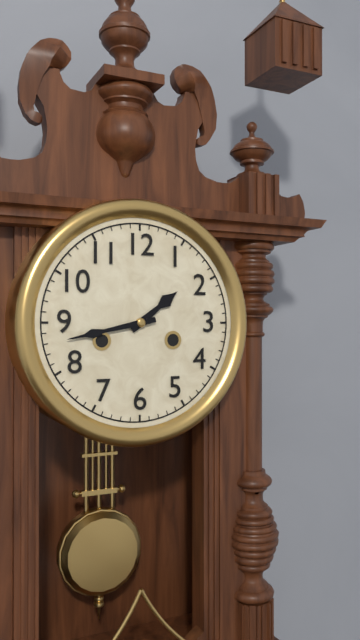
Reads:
1,43
